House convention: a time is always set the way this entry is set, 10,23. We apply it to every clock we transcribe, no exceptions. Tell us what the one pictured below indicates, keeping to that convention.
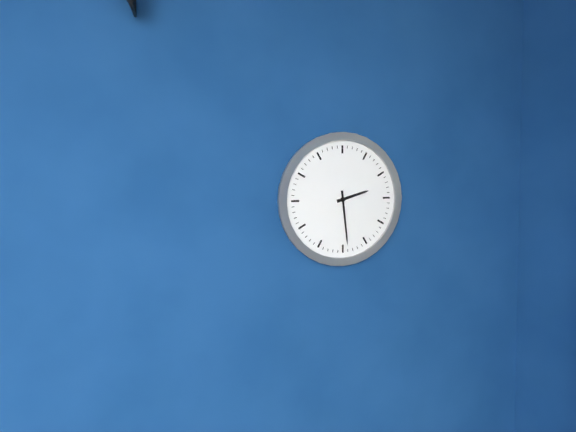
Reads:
2,29
